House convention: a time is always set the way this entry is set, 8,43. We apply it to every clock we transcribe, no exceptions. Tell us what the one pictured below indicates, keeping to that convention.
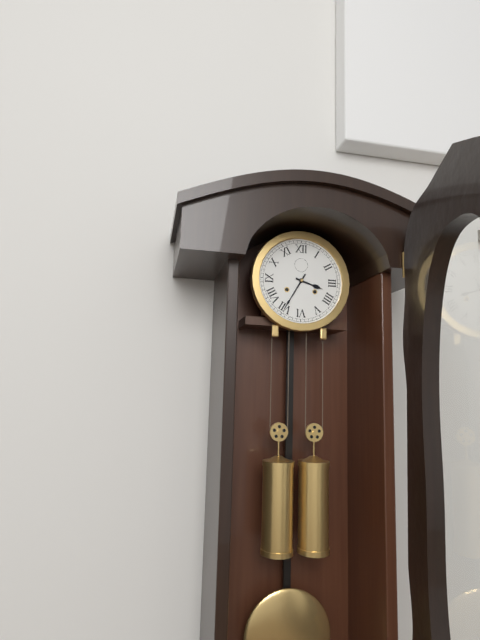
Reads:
3,35
